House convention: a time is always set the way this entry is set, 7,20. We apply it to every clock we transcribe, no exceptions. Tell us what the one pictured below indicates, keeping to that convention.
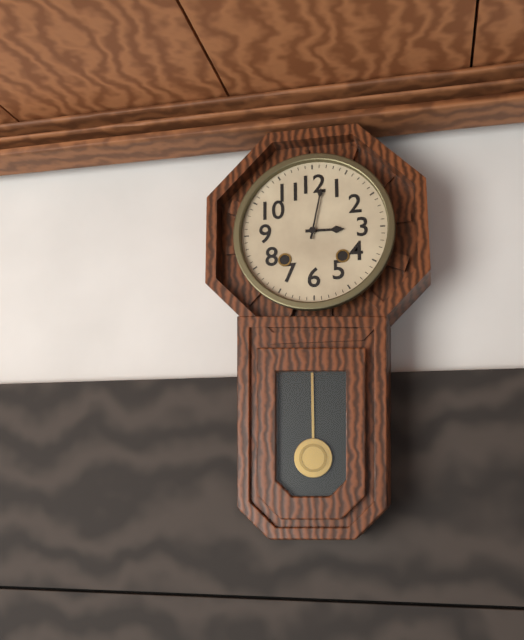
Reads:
3,02
